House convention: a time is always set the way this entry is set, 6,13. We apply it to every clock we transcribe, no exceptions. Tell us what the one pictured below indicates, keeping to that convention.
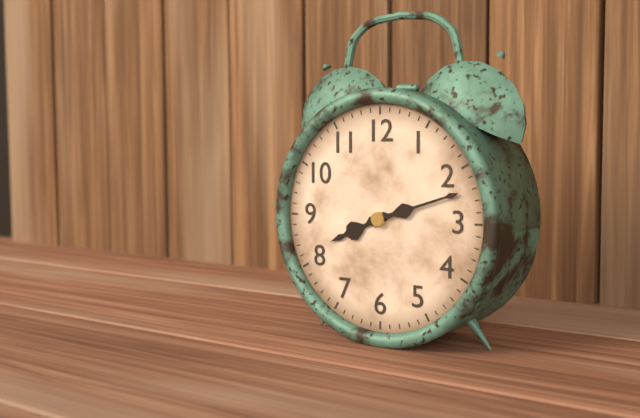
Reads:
8,12
